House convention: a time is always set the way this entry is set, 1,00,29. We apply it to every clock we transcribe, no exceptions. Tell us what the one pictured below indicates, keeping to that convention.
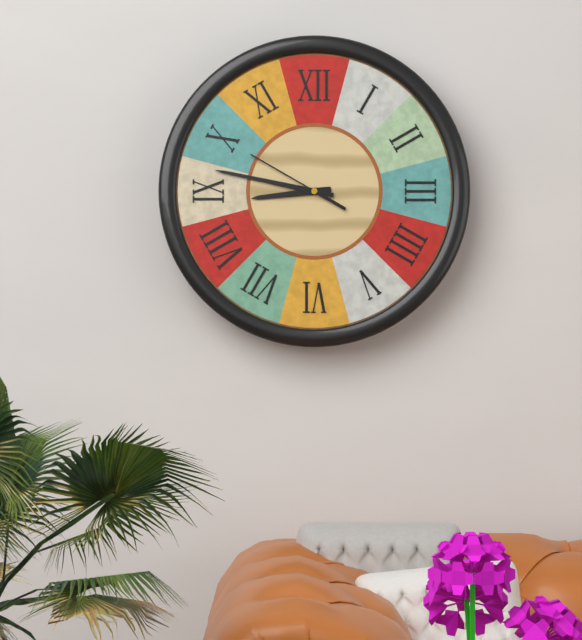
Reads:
8,47,50
